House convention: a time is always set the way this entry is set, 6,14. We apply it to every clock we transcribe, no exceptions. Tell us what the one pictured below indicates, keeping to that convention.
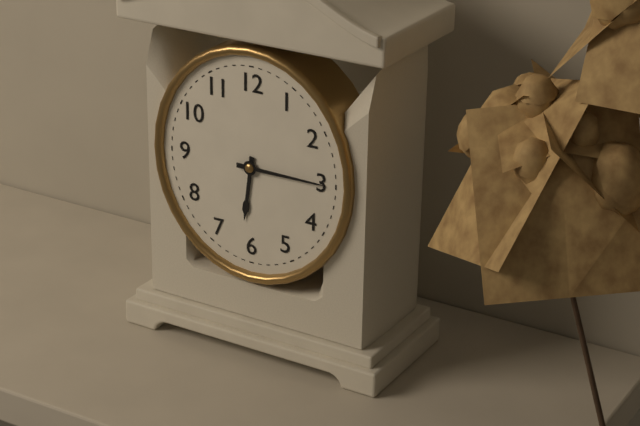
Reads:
6,15
